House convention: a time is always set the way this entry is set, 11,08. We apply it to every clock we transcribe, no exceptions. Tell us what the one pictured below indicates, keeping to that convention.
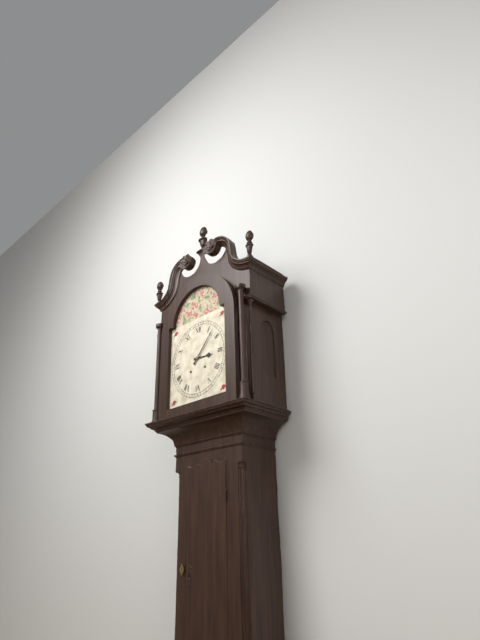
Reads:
3,07
